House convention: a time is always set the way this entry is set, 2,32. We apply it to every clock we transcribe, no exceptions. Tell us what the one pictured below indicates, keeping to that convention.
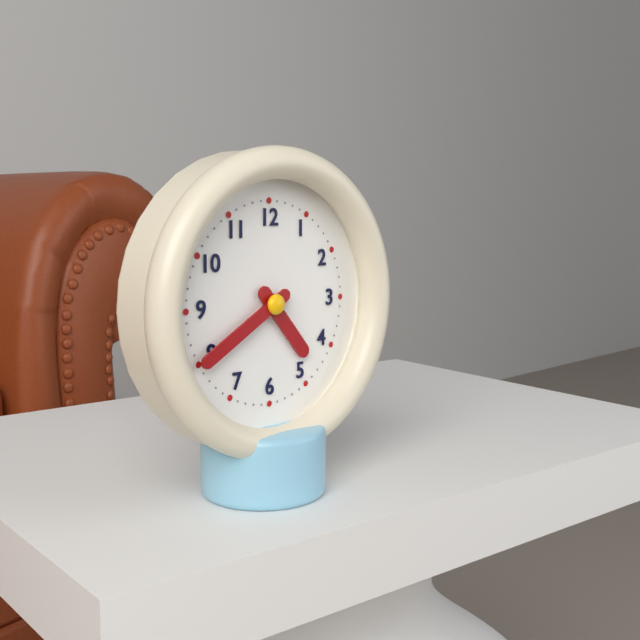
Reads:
4,40
